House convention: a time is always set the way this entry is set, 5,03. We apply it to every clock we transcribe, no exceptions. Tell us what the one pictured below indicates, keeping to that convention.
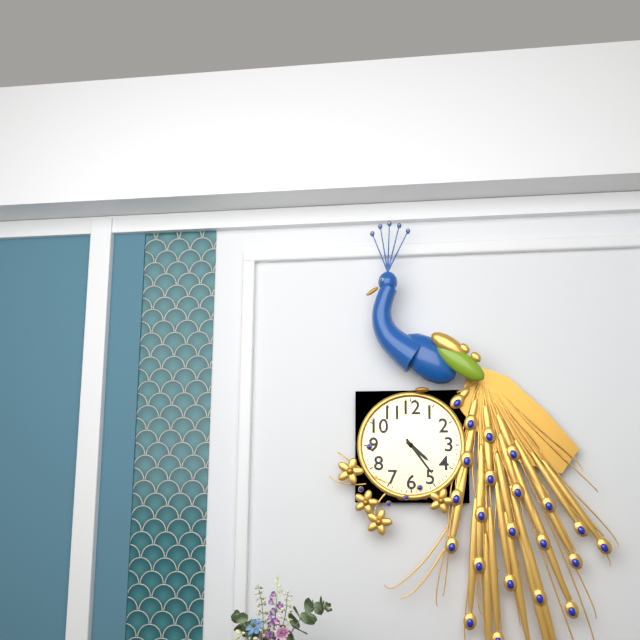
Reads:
4,24
